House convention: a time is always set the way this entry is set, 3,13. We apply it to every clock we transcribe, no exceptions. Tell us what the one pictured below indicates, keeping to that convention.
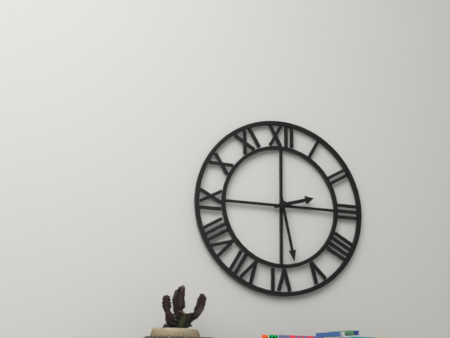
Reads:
2,28
